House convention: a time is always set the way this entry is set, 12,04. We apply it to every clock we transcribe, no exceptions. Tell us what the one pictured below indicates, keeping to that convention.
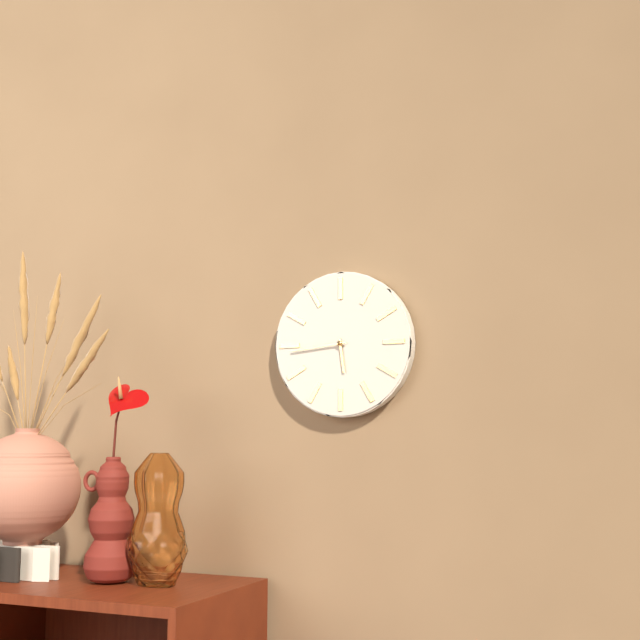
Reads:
5,44
